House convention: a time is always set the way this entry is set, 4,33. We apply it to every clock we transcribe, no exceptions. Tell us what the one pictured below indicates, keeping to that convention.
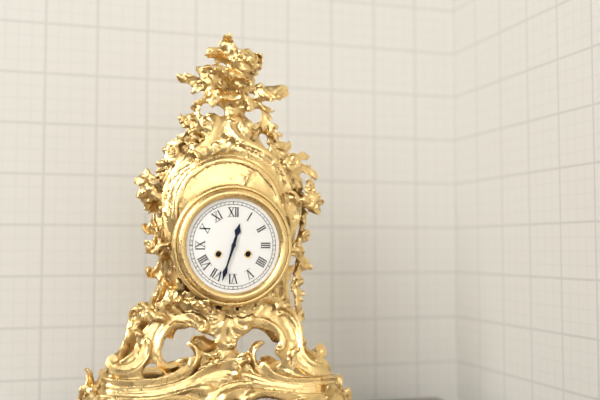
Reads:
12,33
